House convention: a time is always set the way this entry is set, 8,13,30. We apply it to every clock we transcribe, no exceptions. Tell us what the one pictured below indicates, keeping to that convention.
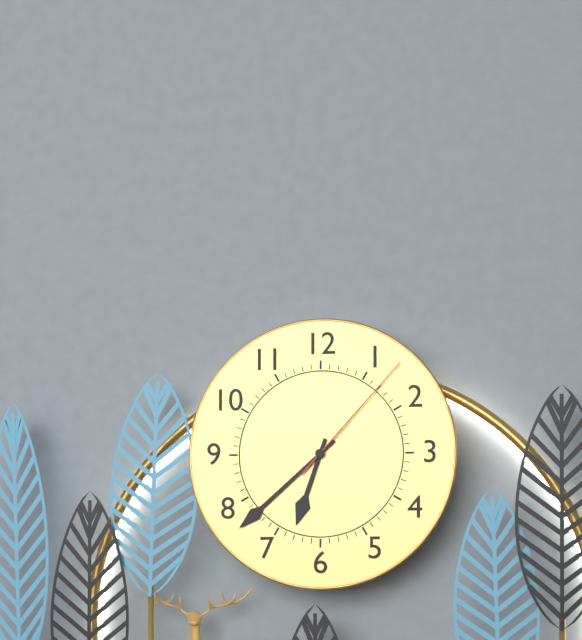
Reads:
6,38,07
